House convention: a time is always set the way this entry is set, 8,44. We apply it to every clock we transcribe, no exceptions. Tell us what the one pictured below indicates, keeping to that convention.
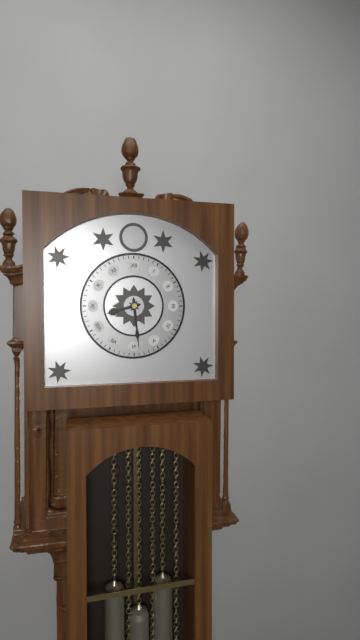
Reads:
8,29
